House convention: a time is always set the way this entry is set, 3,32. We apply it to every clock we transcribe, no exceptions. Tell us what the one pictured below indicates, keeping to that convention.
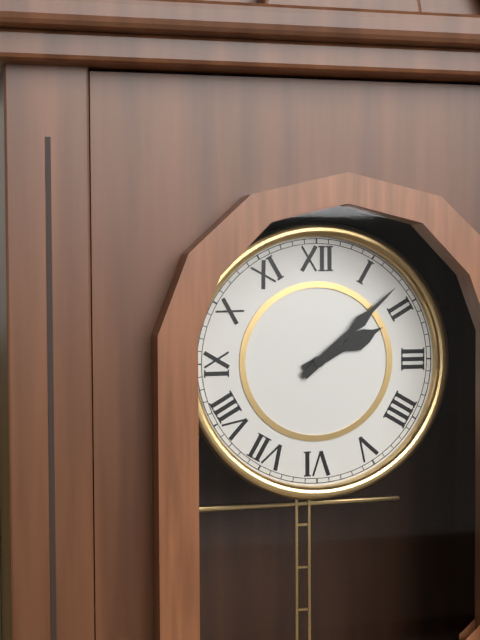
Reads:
2,08
